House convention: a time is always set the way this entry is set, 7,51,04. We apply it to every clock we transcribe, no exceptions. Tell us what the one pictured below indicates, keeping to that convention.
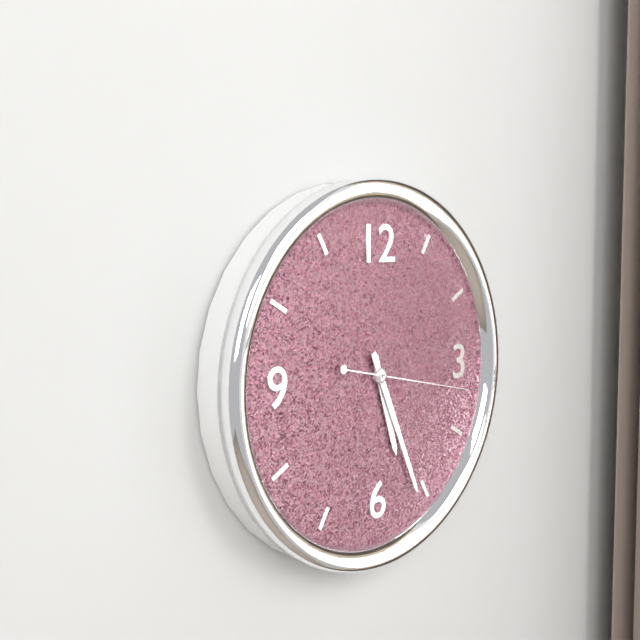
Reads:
5,26,17
